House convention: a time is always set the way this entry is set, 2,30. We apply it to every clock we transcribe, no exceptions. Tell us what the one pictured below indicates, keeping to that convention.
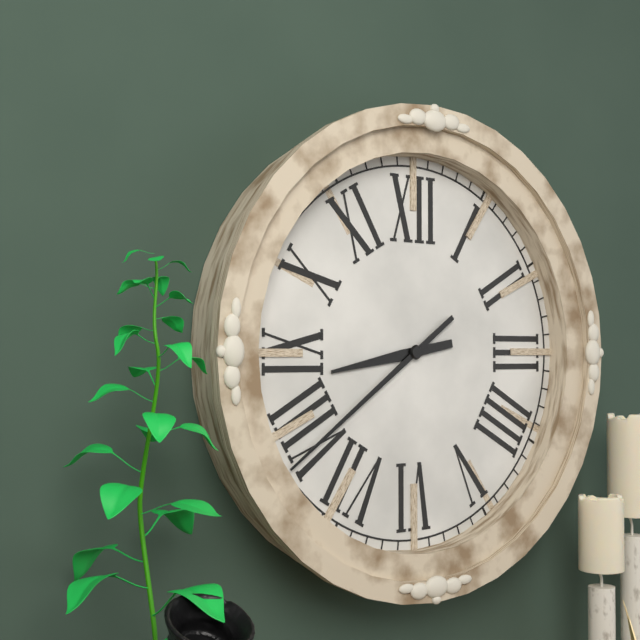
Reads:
8,39
